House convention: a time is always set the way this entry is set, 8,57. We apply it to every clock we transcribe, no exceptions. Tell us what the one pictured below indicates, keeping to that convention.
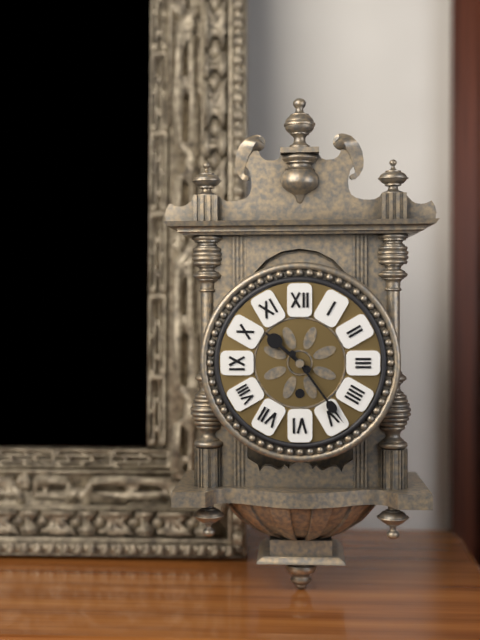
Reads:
10,24
